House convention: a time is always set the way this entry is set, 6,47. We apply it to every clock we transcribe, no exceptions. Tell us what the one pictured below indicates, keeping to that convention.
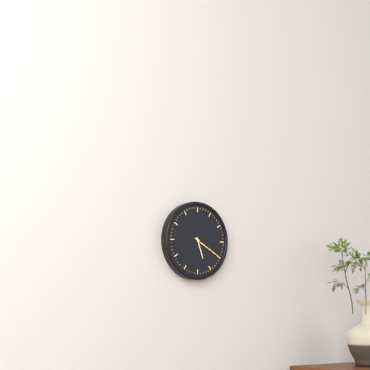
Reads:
5,20
